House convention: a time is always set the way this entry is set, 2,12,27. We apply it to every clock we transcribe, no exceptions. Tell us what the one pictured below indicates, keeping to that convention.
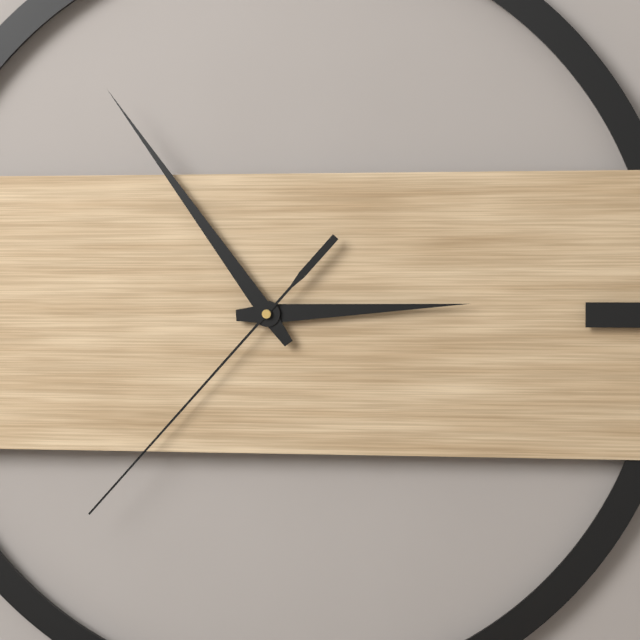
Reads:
2,54,37
